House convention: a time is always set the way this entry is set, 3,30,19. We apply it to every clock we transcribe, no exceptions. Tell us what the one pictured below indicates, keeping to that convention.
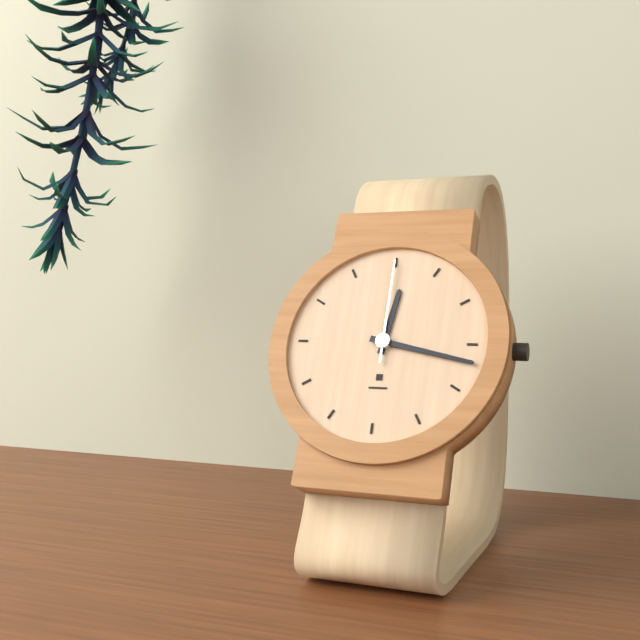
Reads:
12,17,00
